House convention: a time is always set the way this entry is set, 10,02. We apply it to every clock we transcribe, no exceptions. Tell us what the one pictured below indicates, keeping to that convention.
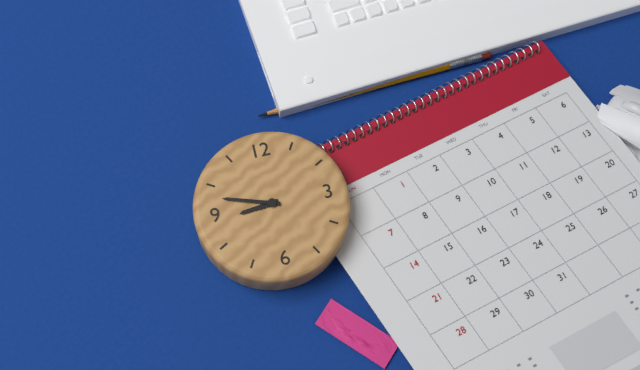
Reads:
8,48
